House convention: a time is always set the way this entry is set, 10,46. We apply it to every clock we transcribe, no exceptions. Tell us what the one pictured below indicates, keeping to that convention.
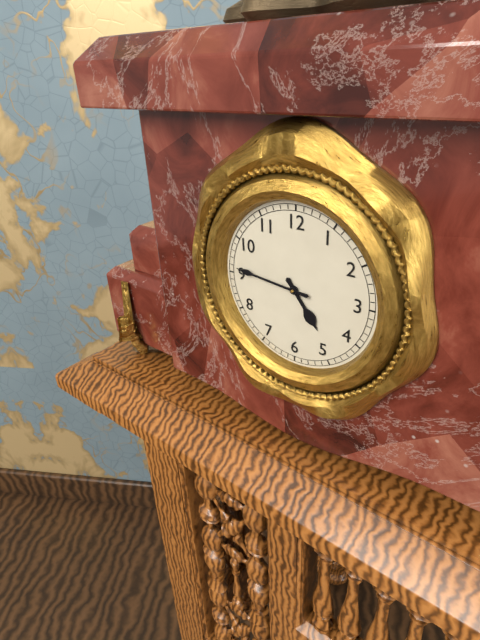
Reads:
4,46
